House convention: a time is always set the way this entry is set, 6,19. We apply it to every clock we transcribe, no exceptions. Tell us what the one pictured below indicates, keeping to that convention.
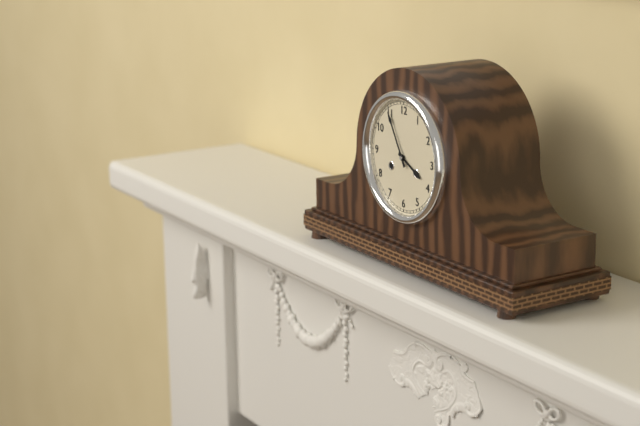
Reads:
3,55
